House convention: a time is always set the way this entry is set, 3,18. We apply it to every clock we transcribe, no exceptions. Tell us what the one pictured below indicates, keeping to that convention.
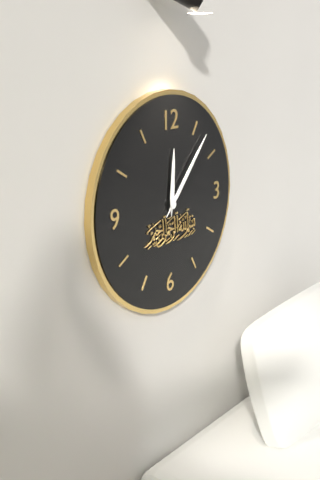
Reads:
12,07
